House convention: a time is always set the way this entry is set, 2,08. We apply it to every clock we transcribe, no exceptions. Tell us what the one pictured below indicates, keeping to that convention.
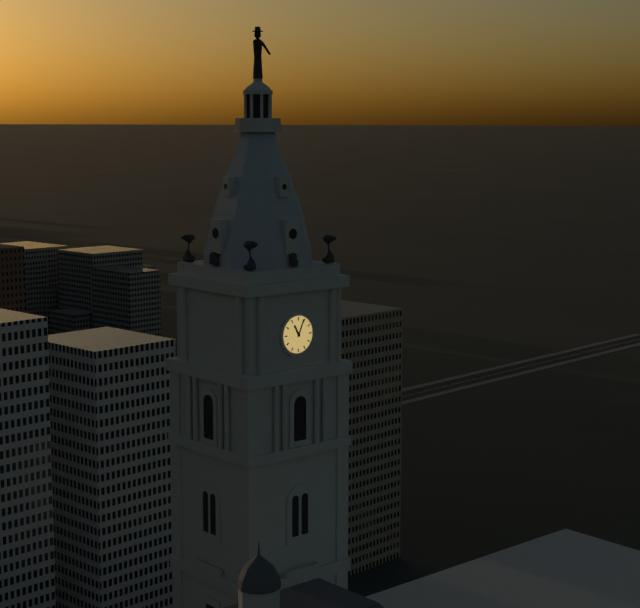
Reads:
11,04
